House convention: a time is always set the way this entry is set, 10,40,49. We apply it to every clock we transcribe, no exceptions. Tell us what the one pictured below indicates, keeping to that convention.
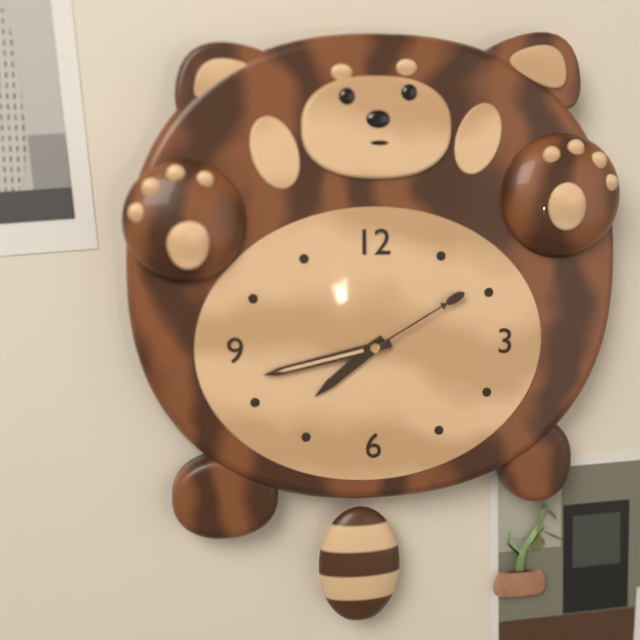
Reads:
7,43,10
